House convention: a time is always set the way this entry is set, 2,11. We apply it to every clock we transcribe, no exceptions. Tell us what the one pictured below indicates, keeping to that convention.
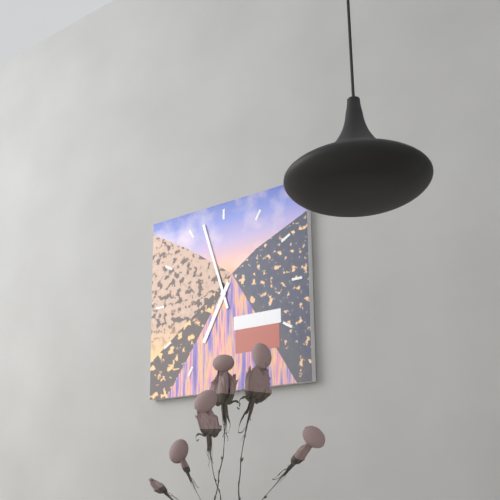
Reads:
6,57
